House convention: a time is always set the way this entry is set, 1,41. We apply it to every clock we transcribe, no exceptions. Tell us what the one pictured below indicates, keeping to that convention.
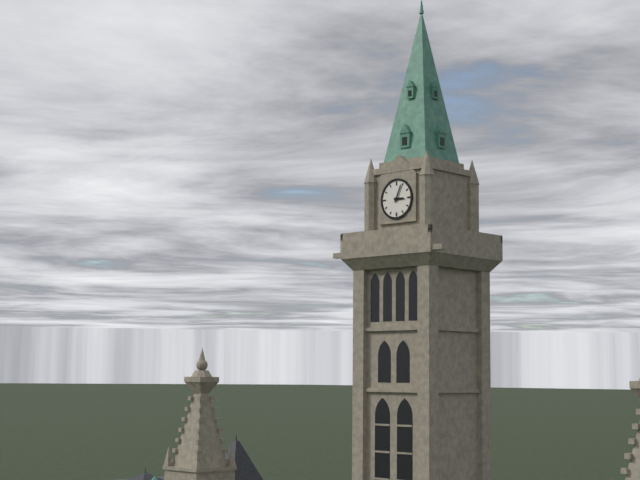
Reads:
3,04
